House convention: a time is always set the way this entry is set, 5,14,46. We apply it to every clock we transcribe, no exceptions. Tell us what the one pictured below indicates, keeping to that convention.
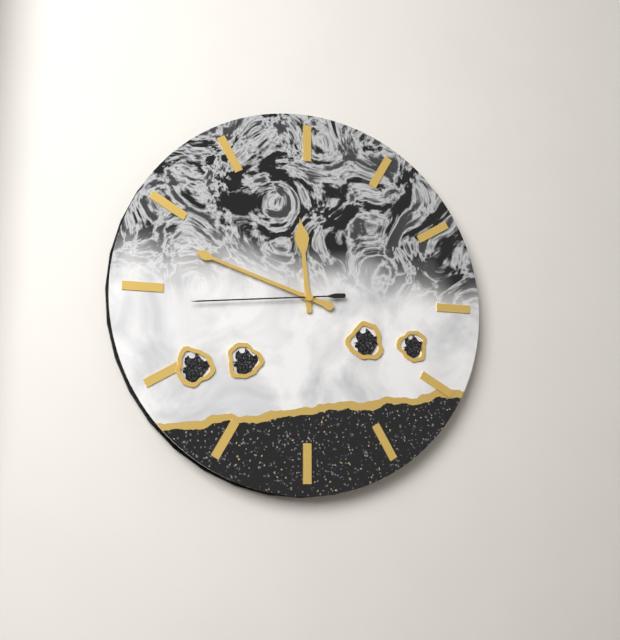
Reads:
11,48,44
